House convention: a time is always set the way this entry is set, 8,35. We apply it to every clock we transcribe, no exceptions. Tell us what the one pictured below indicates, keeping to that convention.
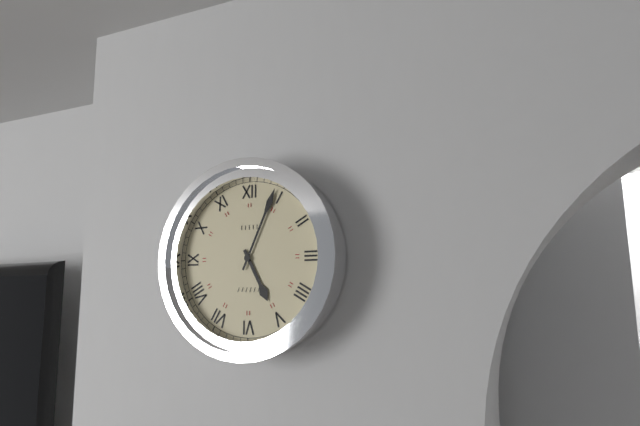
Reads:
5,04
